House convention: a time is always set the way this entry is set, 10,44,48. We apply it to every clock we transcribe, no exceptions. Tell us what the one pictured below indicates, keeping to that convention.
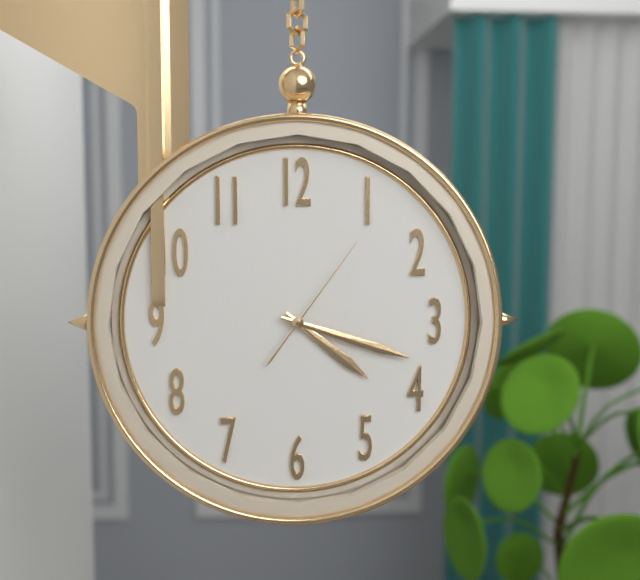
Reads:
4,18,06
